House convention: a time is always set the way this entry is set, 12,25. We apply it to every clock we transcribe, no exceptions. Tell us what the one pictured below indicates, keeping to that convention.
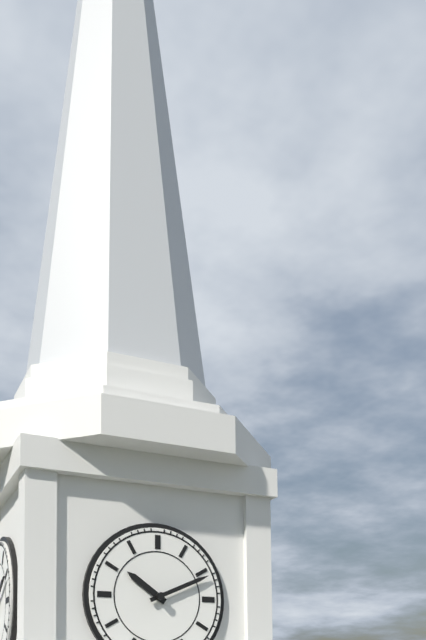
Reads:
10,11
